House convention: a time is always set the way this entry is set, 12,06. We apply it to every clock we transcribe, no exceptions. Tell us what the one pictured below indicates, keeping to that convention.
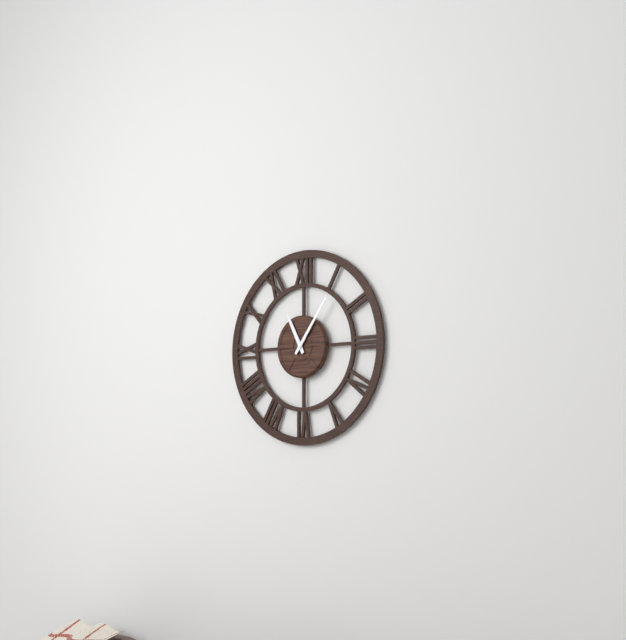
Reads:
11,06
